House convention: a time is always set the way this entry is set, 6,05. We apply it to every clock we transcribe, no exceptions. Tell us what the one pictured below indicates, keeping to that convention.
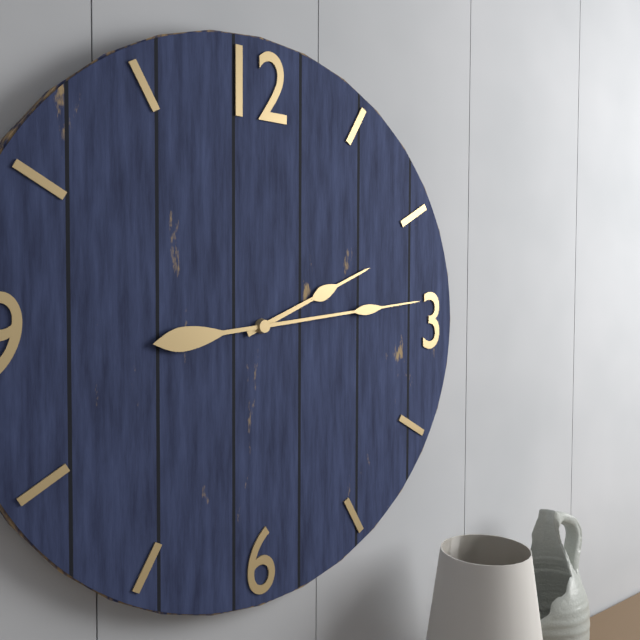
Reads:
2,14
